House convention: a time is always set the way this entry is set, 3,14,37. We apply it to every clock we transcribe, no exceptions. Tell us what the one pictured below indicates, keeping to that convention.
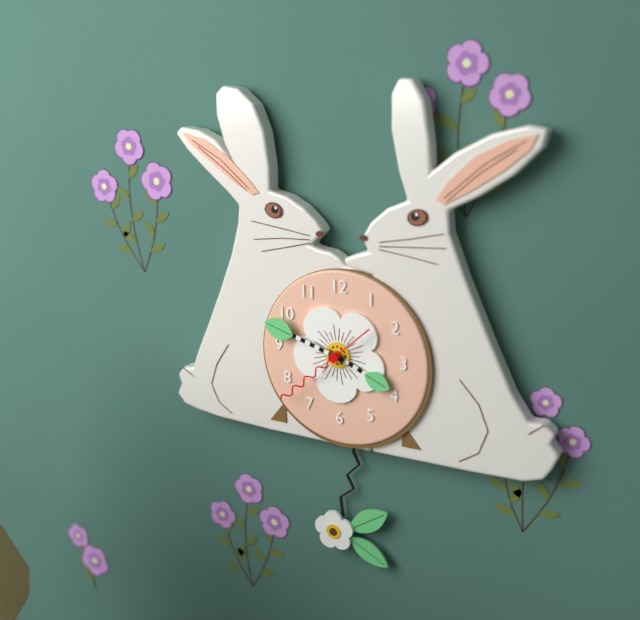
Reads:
3,48,38
